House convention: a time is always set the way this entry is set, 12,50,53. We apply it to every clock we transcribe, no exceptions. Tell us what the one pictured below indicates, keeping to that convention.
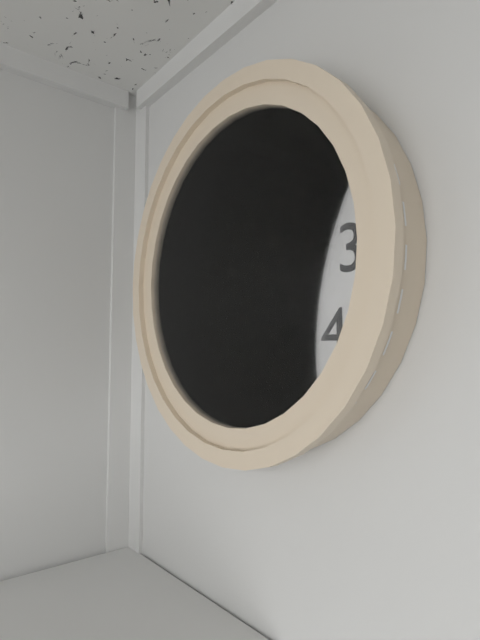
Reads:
1,01,23
